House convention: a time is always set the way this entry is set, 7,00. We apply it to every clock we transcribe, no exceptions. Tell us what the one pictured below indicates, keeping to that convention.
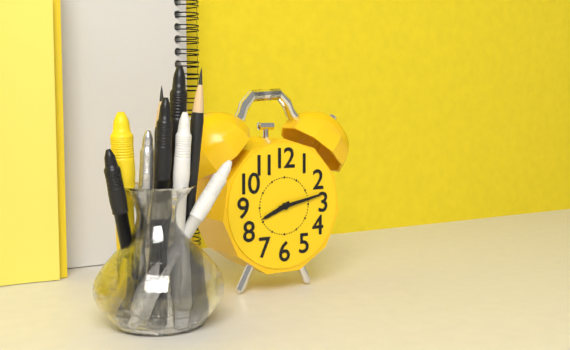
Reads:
8,13
